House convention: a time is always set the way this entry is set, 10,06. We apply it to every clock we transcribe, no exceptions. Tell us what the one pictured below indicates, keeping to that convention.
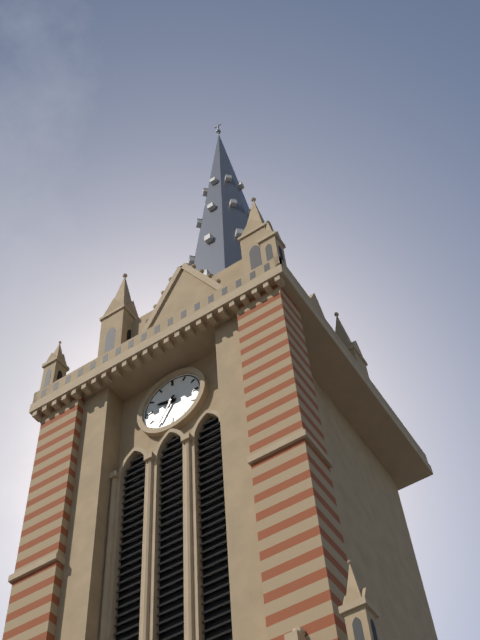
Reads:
9,35
